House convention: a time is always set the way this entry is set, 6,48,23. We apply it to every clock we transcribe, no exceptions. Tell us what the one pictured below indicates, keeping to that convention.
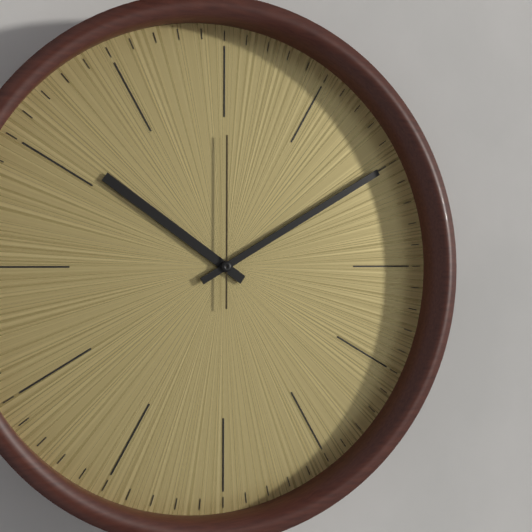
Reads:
10,10,00
